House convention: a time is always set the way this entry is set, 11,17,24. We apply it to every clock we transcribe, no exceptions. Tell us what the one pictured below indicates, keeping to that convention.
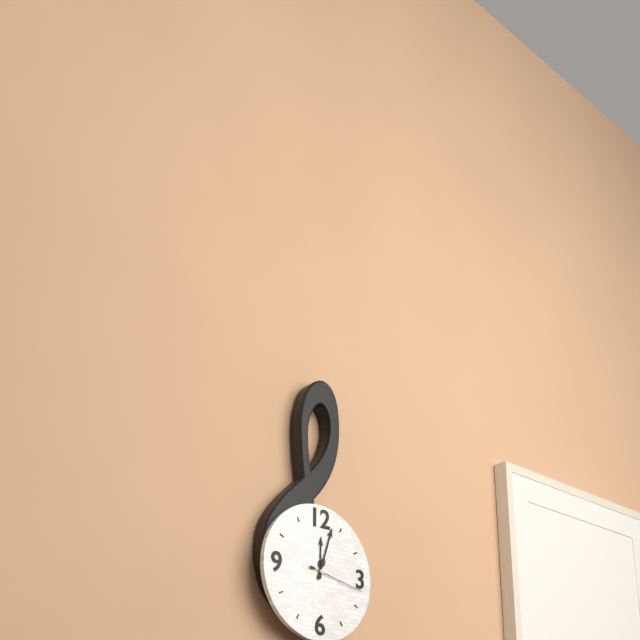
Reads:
12,03,17
